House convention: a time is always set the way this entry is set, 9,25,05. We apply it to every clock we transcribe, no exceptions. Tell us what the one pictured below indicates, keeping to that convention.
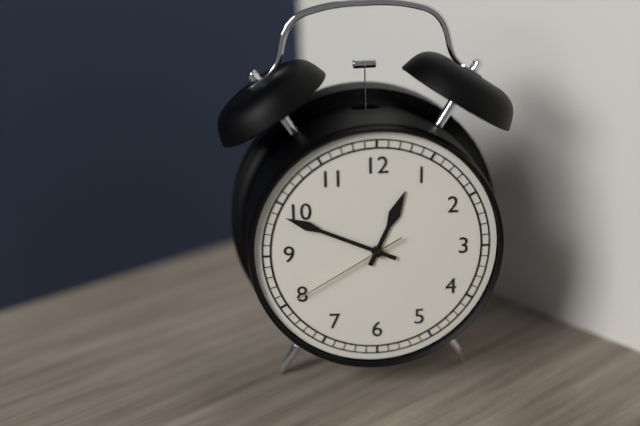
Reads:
12,49,40
